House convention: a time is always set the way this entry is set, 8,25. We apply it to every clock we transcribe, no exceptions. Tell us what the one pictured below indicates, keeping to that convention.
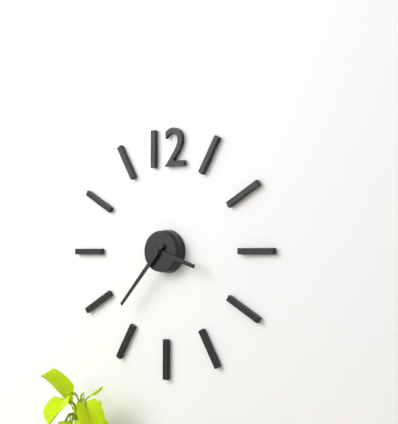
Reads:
3,37
